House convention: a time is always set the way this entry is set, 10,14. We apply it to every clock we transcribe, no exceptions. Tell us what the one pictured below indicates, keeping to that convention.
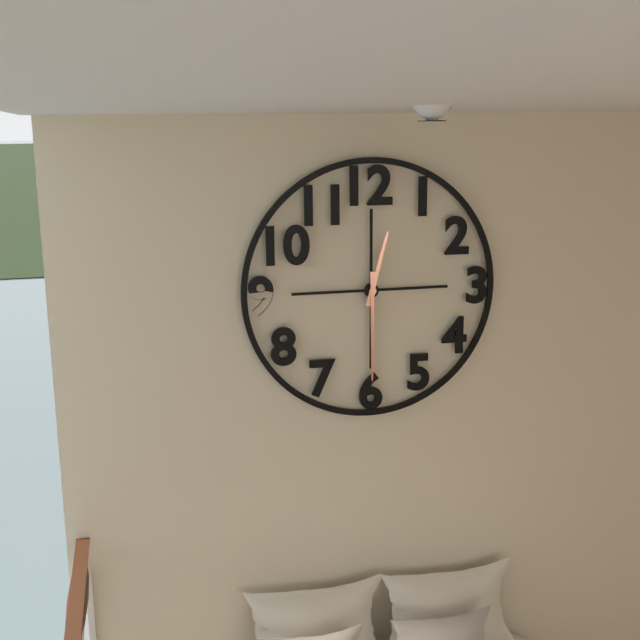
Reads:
12,30
